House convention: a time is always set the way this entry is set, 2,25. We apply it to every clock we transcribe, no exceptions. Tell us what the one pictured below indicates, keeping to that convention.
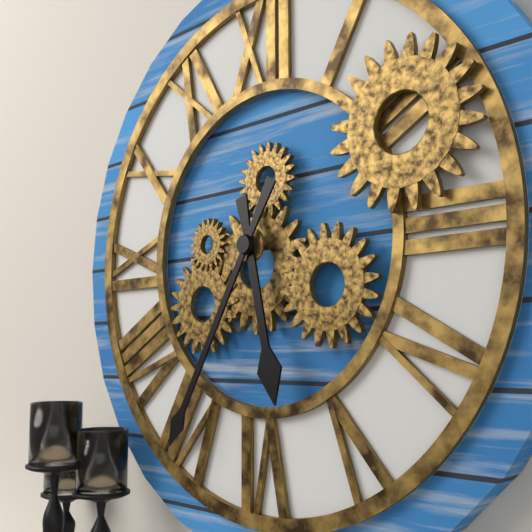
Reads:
5,35
